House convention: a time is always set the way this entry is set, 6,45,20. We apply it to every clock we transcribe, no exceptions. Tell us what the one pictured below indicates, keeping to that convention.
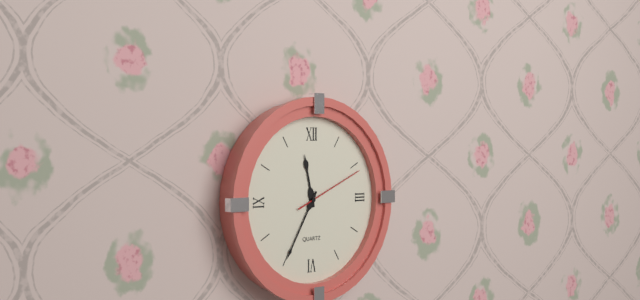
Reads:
11,35,11
